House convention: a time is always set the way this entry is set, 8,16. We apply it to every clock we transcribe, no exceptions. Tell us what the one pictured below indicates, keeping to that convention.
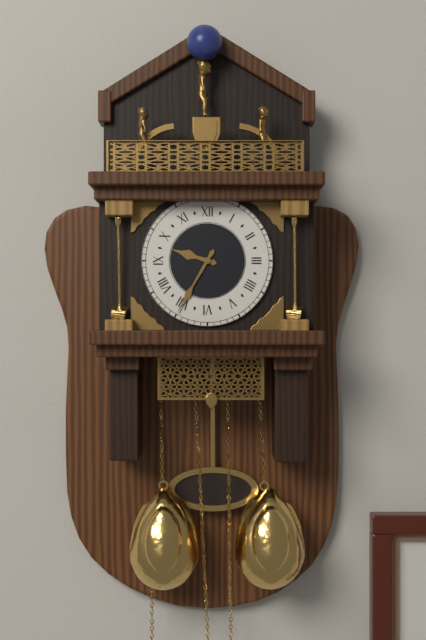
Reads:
9,35
